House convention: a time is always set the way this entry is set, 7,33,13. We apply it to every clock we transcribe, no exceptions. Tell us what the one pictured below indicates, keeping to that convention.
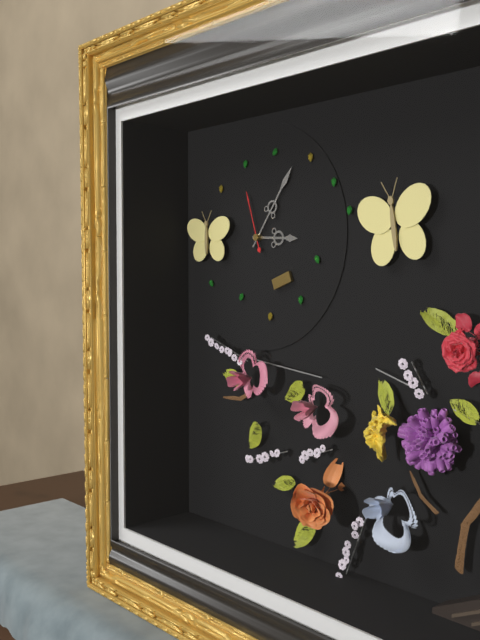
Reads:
3,06,57
